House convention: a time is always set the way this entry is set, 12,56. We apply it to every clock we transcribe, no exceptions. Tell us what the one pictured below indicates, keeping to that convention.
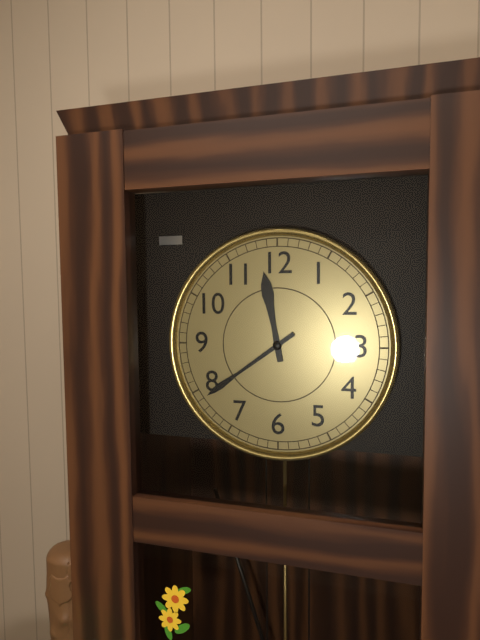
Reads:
11,39
